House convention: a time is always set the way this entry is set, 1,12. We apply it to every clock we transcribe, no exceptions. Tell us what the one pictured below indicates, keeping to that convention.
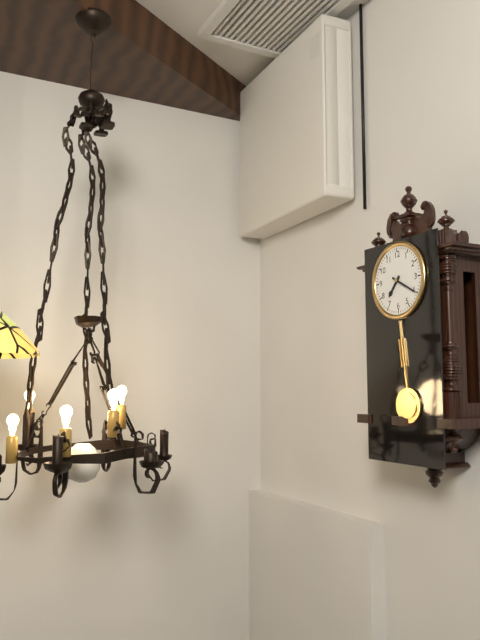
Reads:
7,20
